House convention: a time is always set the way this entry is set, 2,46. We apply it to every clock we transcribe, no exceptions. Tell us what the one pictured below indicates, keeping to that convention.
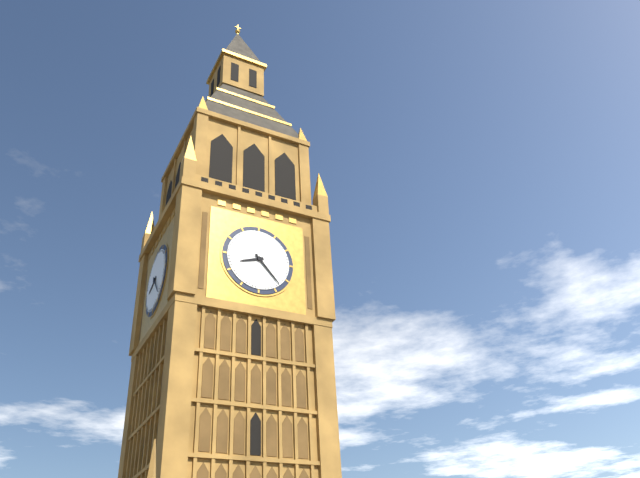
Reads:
8,23
